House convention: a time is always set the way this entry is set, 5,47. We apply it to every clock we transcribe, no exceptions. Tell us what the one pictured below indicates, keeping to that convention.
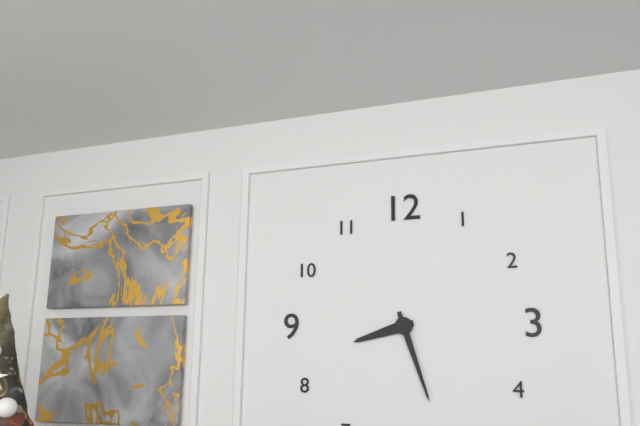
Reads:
8,27
